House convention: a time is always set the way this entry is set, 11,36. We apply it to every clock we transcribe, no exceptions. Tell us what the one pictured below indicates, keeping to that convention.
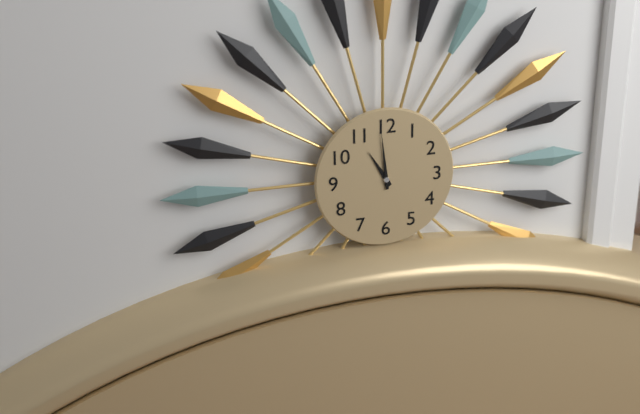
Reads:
10,59
